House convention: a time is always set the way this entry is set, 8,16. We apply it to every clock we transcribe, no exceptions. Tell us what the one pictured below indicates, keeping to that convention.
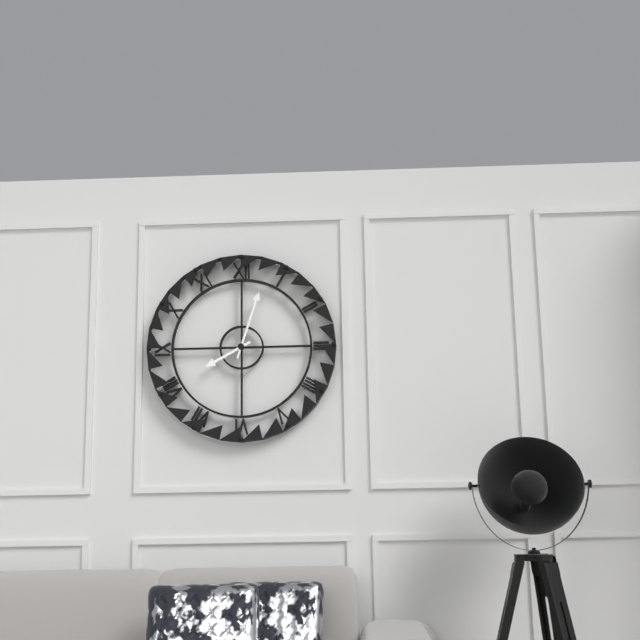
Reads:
8,03
